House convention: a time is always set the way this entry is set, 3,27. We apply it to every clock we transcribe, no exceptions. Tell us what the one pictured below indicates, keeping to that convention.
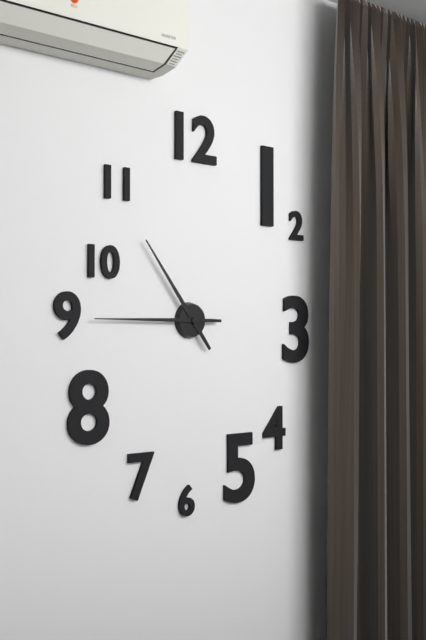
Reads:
10,45
